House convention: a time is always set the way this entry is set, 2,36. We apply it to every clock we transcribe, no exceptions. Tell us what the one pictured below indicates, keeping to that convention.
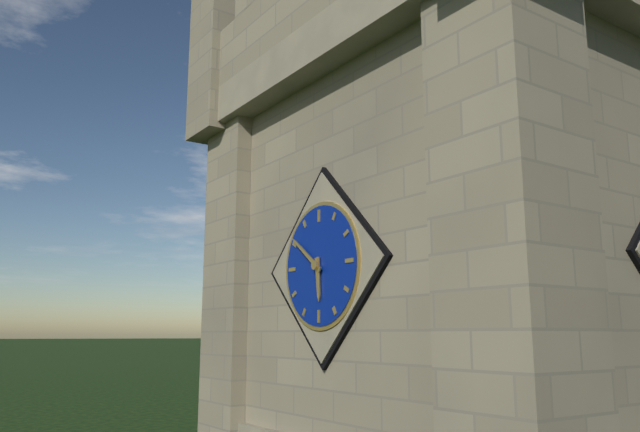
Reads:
5,51
